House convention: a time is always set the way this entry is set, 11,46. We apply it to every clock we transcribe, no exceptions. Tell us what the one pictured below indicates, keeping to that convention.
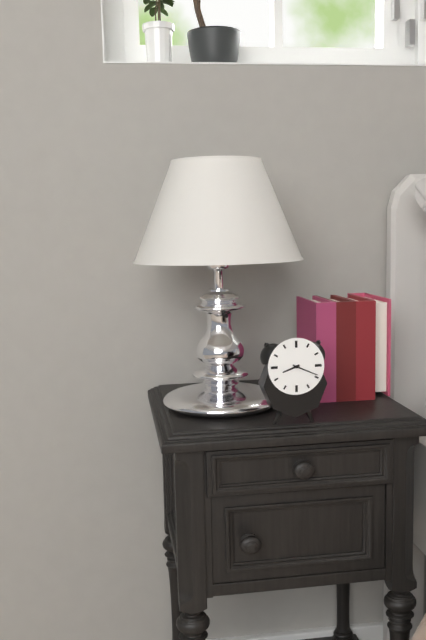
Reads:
8,19
